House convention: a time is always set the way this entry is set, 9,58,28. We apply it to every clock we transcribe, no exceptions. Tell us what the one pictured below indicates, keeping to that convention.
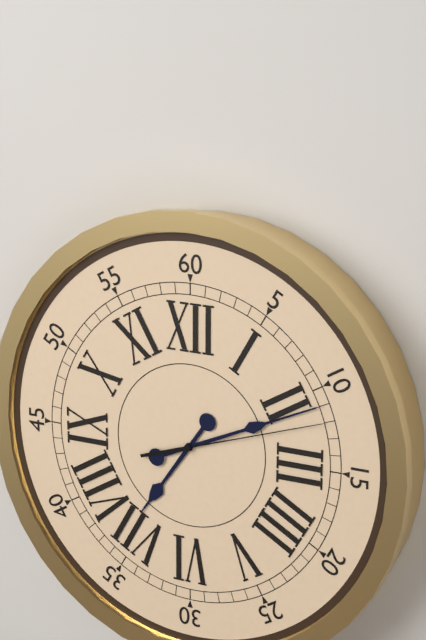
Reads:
7,11,12
